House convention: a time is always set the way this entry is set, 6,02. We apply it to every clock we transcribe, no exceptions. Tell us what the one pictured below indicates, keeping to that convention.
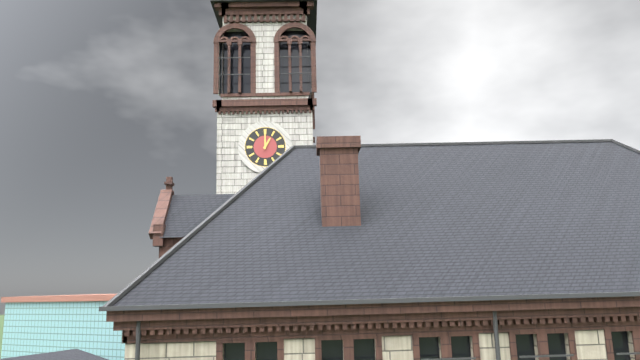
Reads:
1,00
